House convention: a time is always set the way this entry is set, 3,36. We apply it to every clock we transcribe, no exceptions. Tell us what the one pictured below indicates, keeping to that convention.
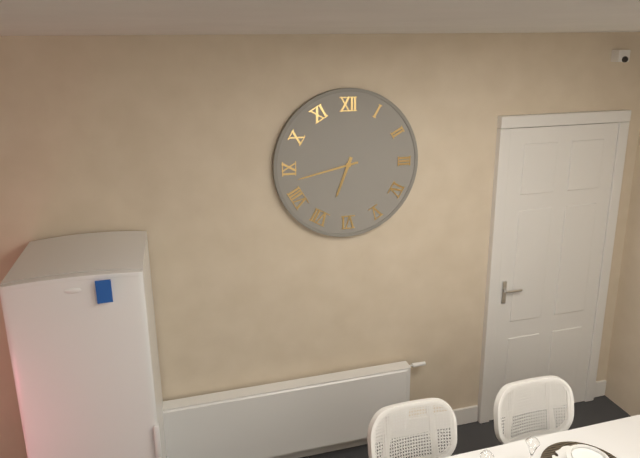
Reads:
6,43
